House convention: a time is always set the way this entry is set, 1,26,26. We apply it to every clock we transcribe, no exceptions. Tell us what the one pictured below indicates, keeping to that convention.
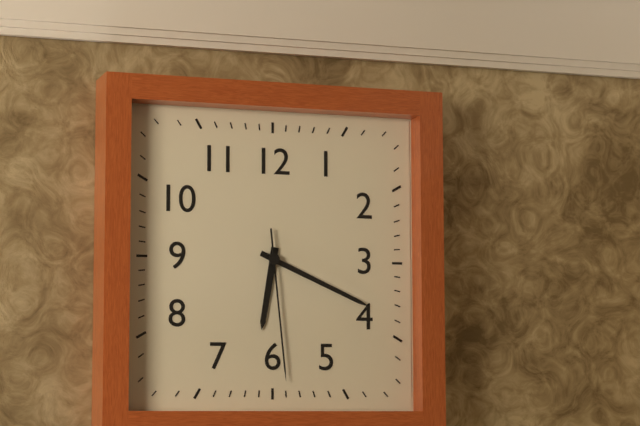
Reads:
6,19,29
